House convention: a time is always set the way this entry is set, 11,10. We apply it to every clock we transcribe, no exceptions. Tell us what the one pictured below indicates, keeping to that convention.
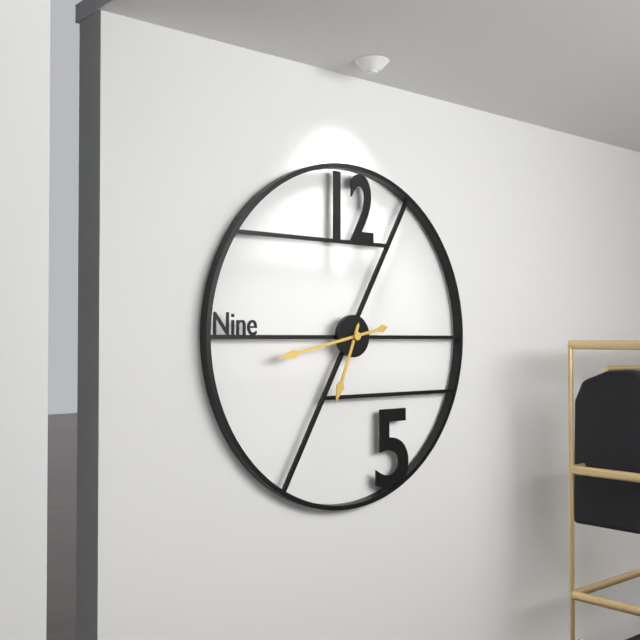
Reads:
6,43
